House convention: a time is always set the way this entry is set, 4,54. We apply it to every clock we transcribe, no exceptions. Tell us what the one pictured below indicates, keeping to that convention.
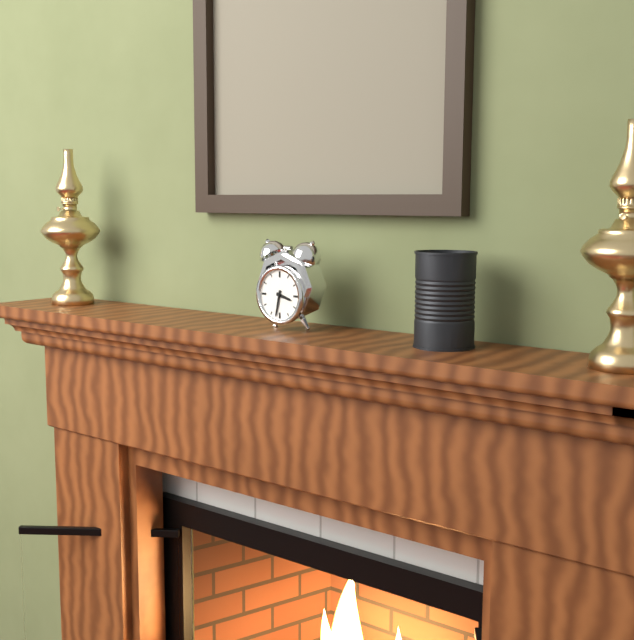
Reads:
3,32
